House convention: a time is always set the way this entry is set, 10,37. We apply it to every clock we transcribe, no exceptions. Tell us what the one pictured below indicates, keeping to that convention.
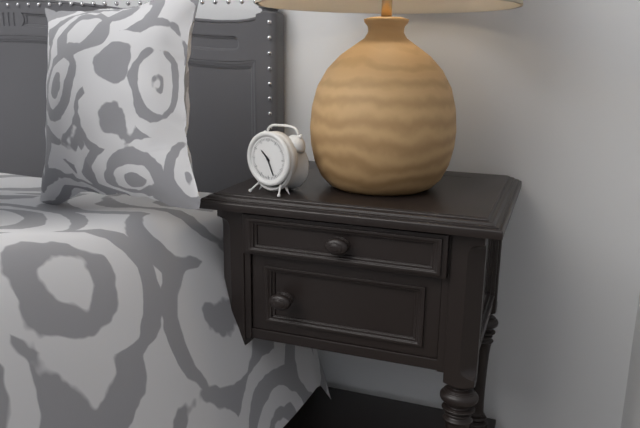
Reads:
10,26
